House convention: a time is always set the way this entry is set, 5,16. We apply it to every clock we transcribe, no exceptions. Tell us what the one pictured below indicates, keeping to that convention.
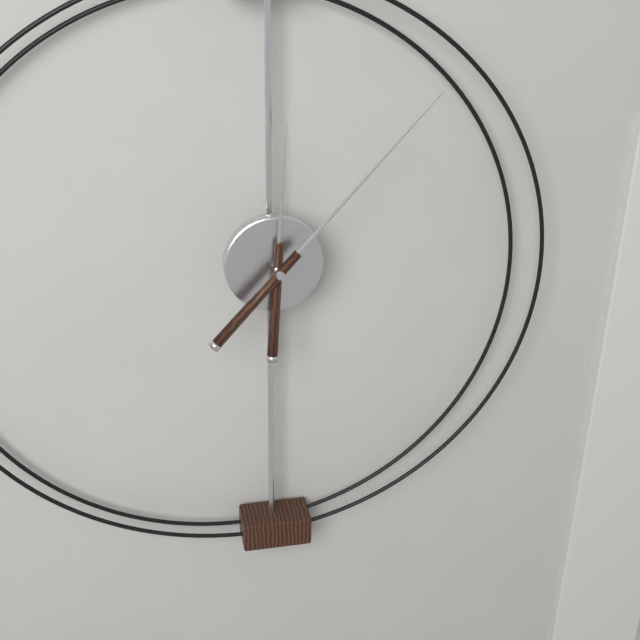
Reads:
12,07
